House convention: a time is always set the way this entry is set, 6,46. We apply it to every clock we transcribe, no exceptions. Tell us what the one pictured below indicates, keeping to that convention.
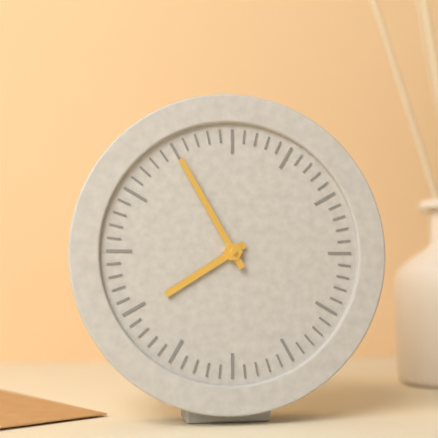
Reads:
7,55
